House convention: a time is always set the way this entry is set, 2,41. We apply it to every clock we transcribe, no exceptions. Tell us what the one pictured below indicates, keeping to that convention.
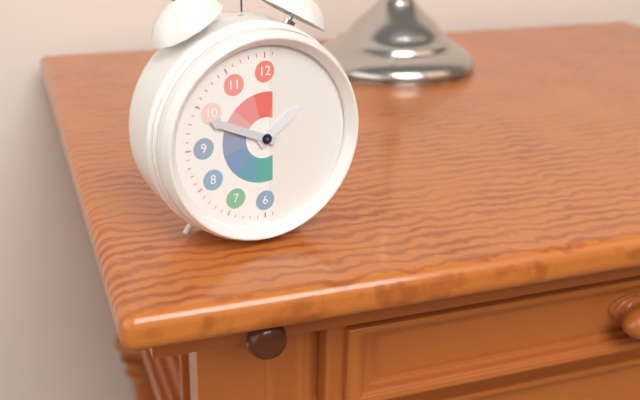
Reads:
1,49
